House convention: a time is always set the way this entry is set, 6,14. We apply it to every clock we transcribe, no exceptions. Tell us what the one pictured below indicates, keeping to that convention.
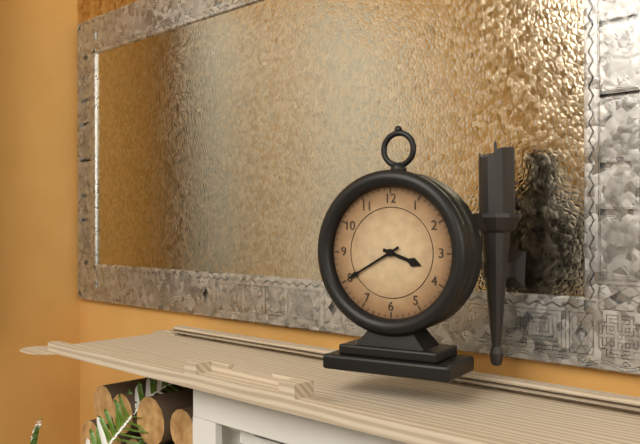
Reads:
3,40
